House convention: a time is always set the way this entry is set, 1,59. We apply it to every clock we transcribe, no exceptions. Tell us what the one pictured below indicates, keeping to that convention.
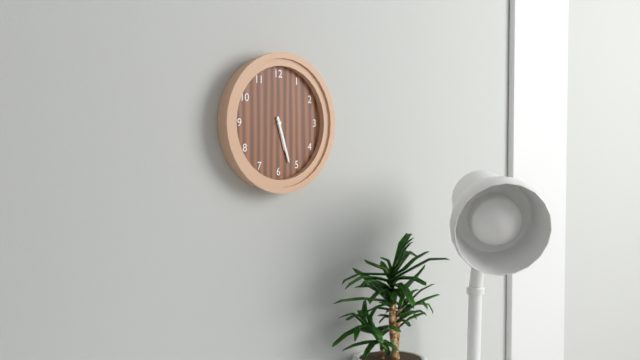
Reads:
5,27
